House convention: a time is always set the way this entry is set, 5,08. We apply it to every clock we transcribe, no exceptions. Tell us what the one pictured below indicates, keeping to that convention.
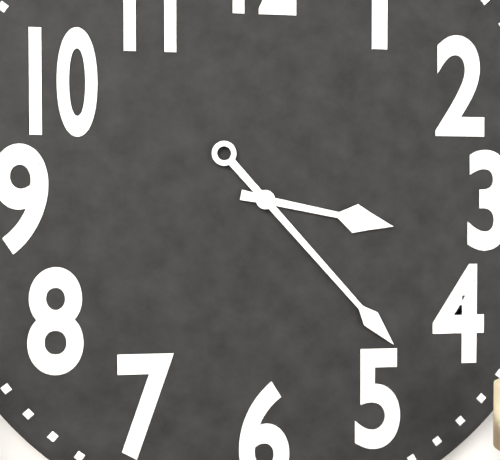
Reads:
3,23
